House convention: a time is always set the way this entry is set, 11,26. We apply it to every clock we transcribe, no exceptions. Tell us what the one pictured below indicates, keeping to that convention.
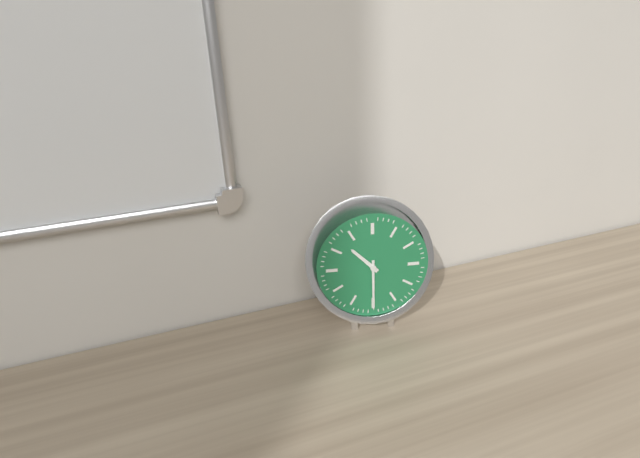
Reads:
10,30
